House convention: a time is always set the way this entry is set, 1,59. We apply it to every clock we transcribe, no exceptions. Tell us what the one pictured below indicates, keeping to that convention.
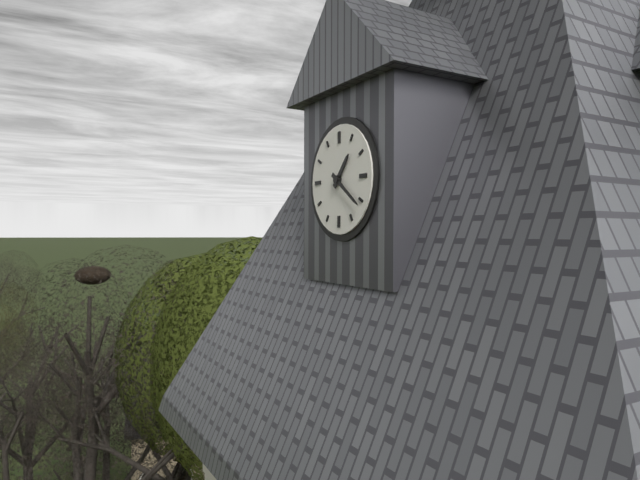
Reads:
1,21
